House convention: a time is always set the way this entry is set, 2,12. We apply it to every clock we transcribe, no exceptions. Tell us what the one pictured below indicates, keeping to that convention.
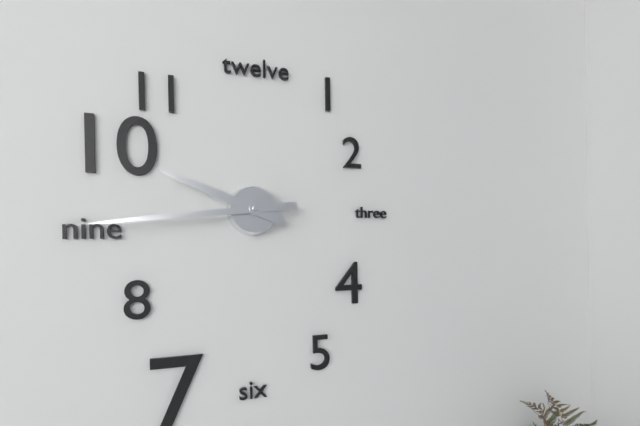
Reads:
9,44
